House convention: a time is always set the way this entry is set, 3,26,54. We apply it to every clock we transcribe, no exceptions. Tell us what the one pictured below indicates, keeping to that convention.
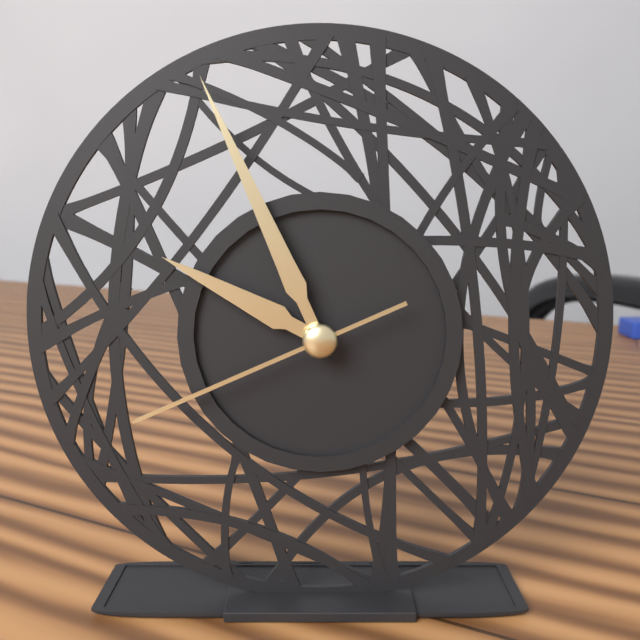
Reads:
9,56,41
